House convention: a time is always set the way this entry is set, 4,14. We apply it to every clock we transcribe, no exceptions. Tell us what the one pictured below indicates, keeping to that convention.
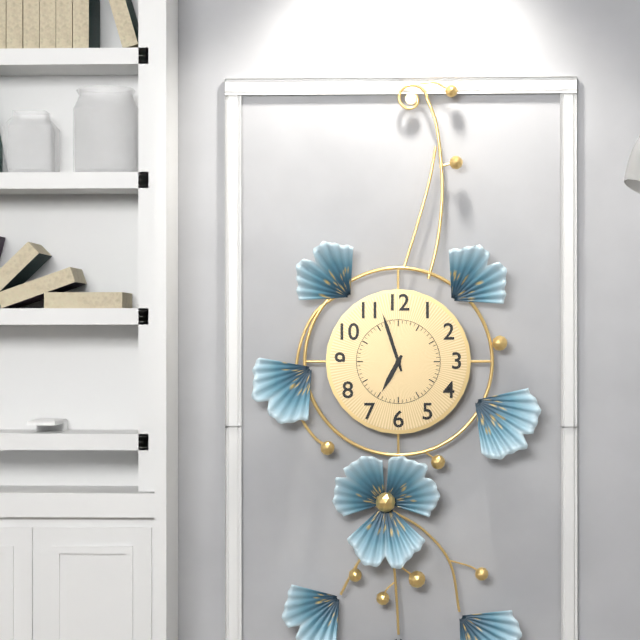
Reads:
6,57
